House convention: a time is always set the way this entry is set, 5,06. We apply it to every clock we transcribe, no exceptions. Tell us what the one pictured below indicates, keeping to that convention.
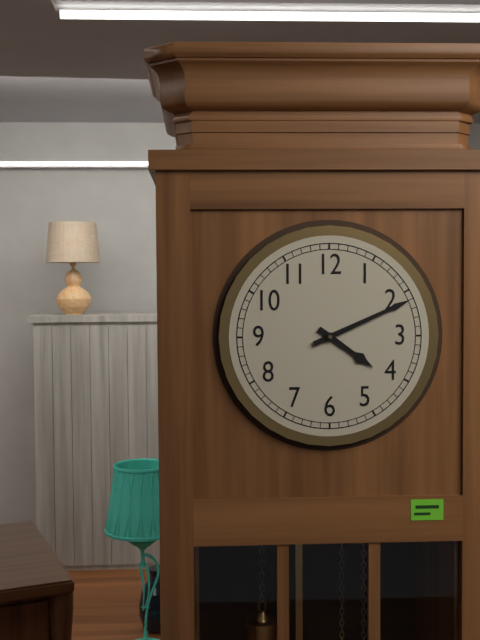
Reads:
4,11
